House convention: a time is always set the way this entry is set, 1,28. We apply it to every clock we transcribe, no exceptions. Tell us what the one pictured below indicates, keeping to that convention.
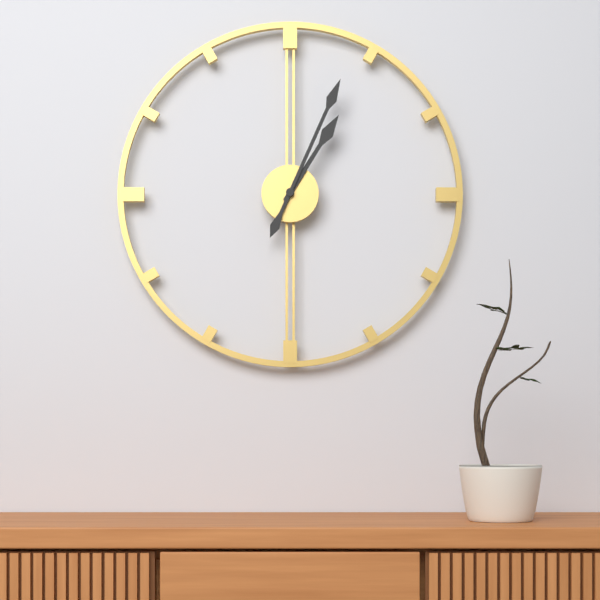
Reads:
1,04
